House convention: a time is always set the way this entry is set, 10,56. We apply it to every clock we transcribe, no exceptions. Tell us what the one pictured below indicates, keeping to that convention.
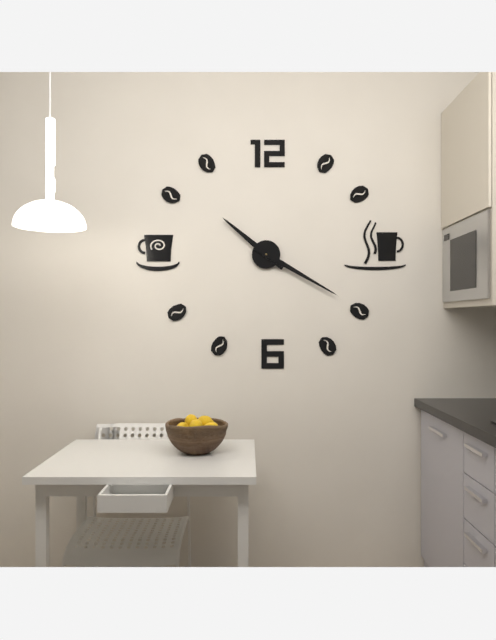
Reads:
10,20
